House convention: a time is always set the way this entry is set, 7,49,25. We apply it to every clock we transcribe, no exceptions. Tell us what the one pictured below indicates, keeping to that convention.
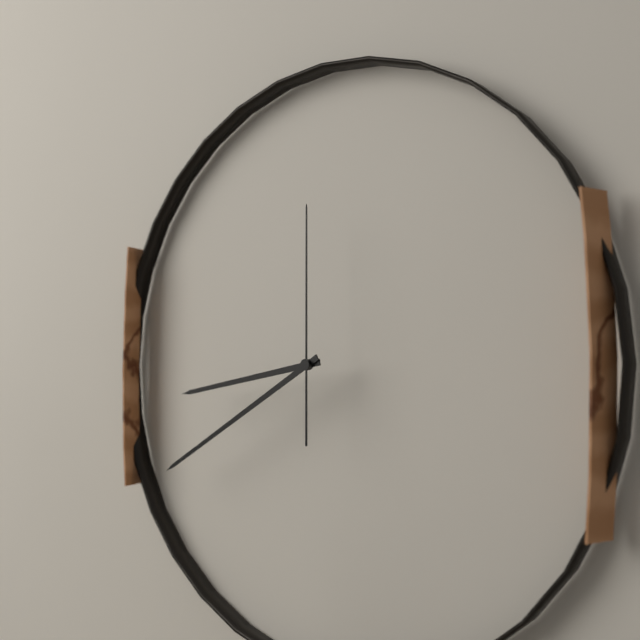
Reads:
8,40,00
